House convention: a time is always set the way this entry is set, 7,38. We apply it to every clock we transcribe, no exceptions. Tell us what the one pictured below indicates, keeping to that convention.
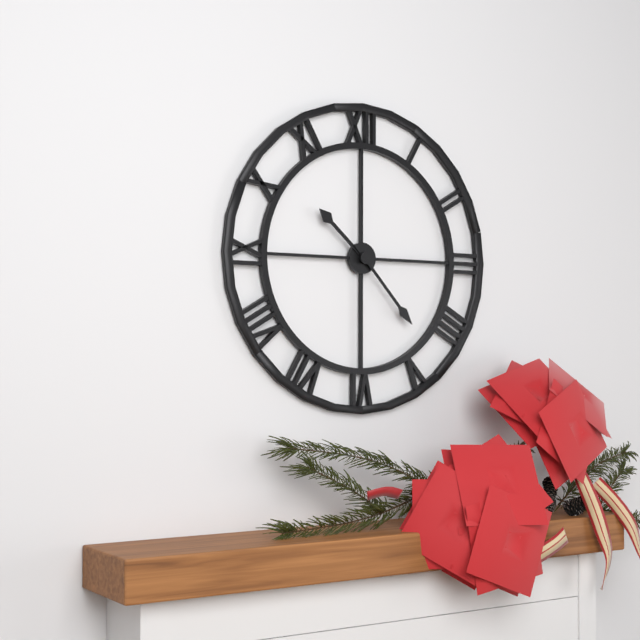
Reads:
10,23
